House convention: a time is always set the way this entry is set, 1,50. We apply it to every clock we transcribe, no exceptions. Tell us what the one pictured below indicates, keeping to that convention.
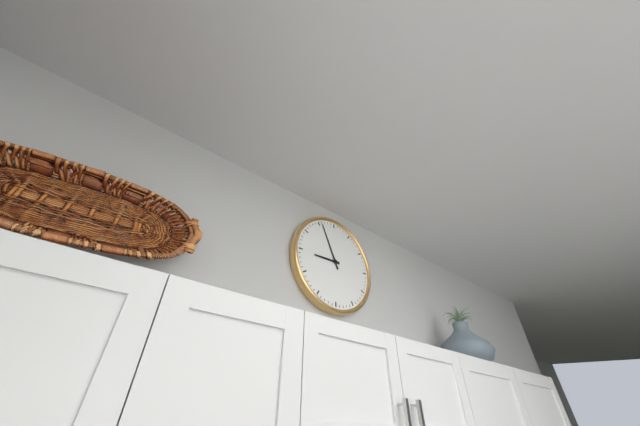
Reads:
8,56
